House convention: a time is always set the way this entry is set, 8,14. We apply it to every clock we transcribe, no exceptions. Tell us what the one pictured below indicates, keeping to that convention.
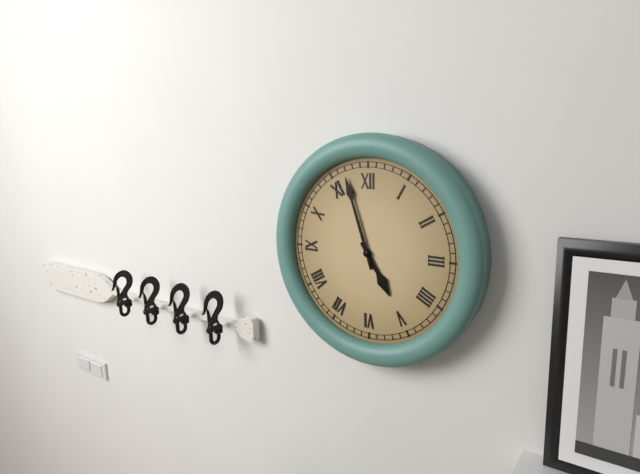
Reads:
4,57
